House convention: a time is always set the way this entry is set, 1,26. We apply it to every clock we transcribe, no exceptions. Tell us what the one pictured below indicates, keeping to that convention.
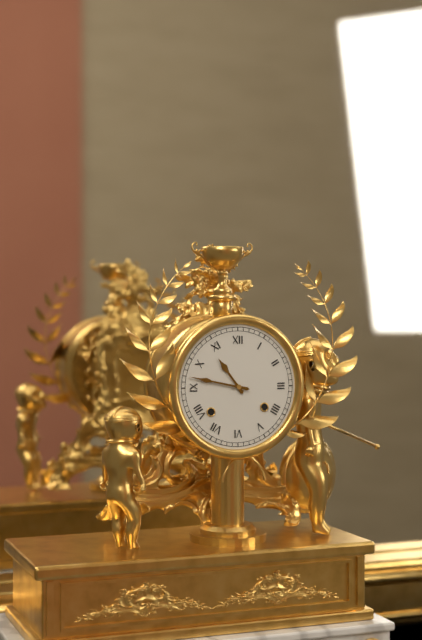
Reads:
10,47
